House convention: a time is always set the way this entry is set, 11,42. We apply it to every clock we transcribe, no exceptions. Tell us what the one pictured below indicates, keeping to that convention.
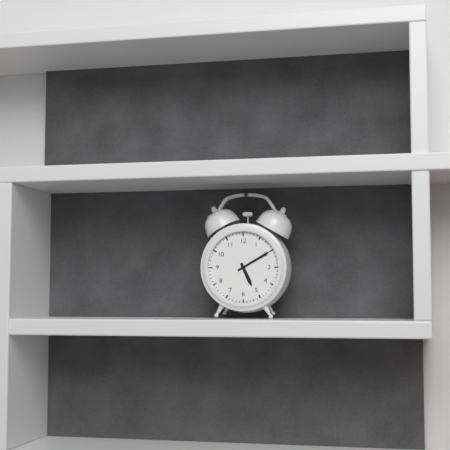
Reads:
5,10
